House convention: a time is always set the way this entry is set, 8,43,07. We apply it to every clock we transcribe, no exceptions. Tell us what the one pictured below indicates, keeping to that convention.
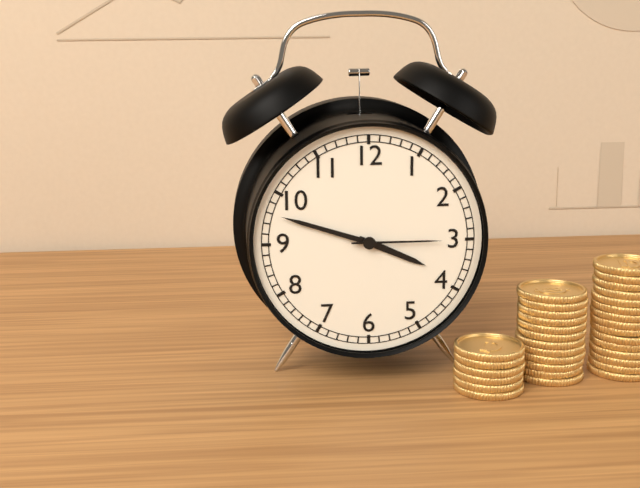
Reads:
3,48,15
